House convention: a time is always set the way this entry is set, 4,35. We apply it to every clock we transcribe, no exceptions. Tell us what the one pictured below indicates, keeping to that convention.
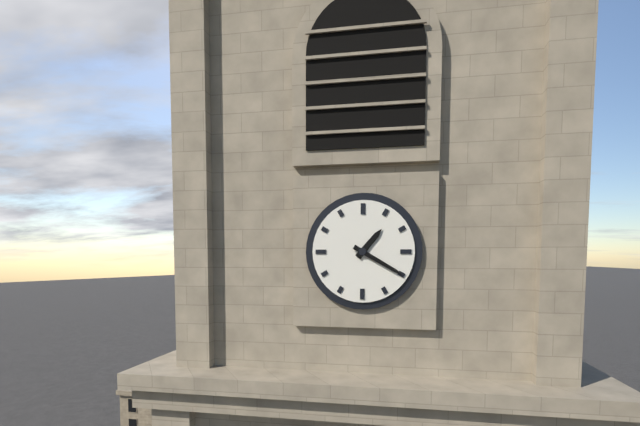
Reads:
1,20
